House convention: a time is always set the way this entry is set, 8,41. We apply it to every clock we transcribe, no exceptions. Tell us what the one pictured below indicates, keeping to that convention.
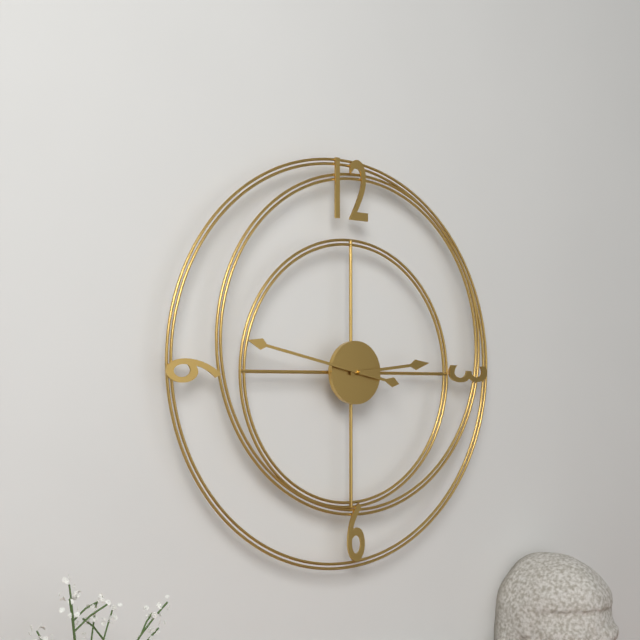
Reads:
2,47
